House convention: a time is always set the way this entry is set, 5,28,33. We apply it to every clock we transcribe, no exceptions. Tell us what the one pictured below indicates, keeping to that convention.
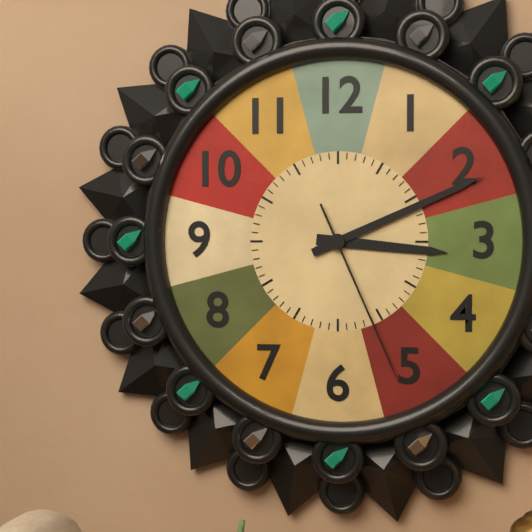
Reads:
3,11,26
